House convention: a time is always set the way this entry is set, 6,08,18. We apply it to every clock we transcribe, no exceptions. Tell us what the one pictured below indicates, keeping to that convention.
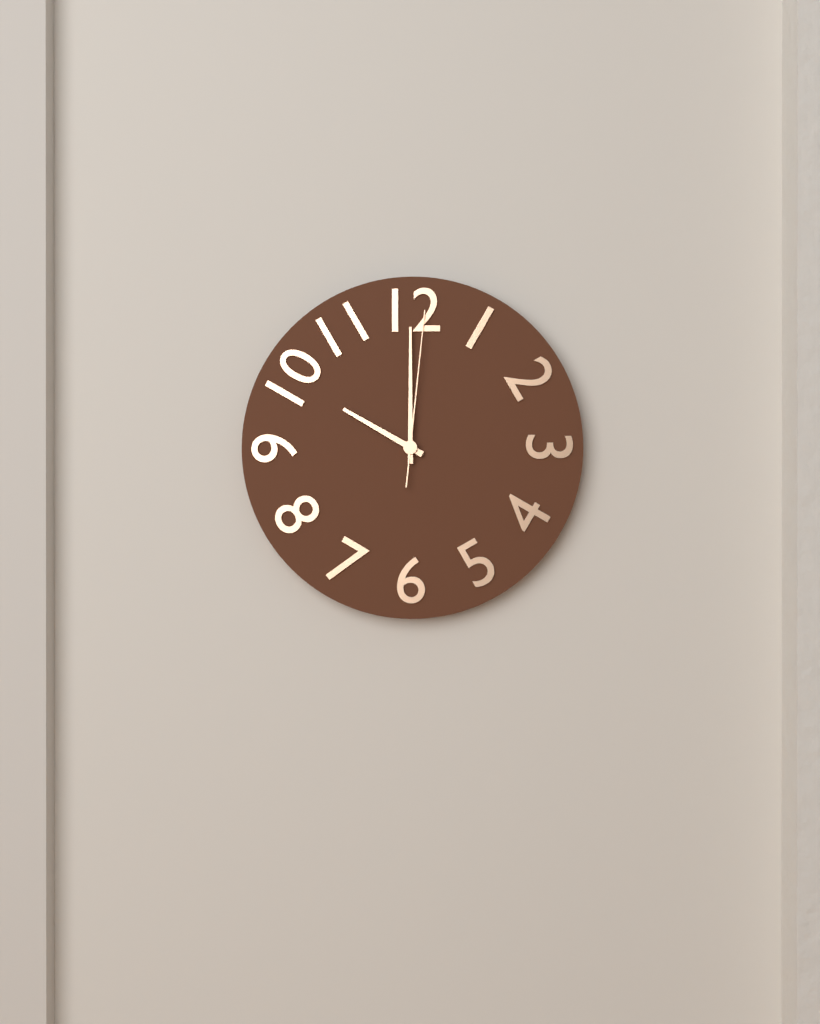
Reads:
10,00,01
